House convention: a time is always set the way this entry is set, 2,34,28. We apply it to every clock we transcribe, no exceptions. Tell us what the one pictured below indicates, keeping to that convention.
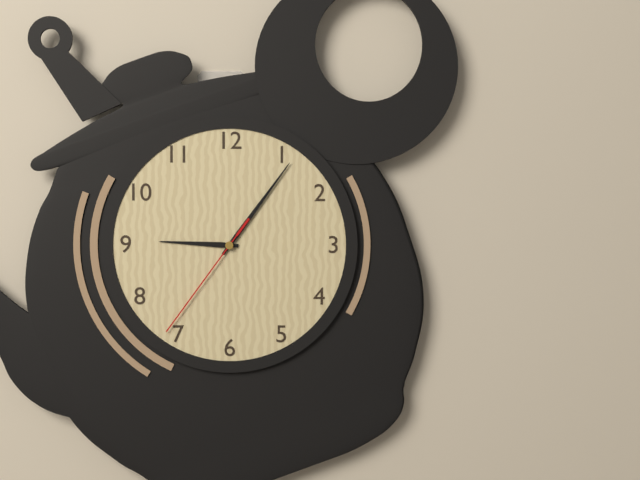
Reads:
9,06,36
